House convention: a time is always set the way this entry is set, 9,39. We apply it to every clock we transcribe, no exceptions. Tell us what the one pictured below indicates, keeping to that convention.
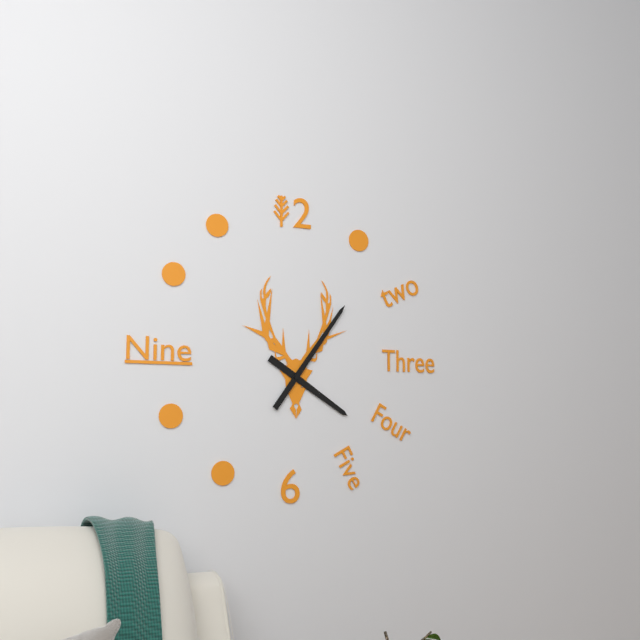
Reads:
4,06
